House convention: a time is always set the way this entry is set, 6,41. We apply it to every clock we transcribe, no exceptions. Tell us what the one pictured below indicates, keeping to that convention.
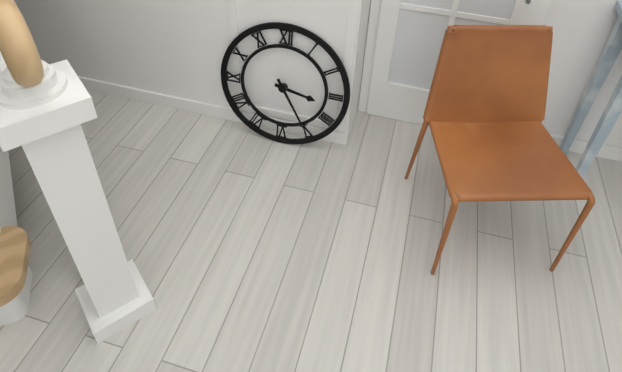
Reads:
3,25
